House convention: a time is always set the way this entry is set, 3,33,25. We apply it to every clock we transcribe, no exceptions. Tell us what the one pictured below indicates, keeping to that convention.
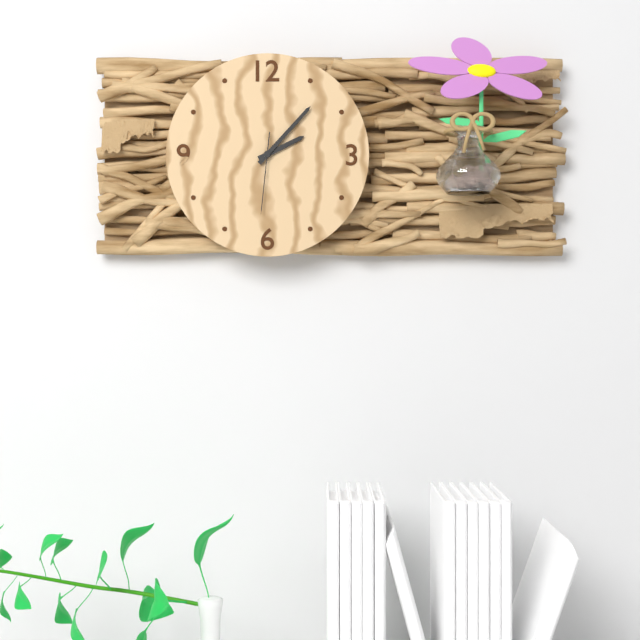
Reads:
2,07,31
